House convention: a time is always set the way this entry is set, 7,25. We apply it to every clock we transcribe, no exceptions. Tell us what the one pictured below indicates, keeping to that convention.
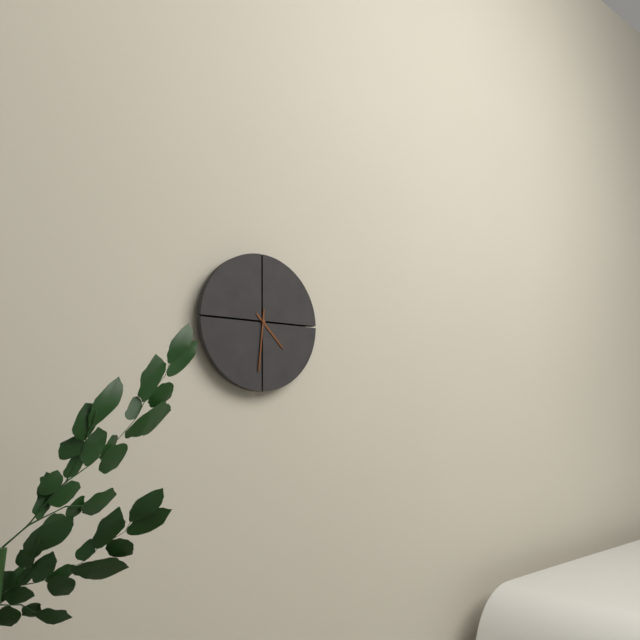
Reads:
4,31
